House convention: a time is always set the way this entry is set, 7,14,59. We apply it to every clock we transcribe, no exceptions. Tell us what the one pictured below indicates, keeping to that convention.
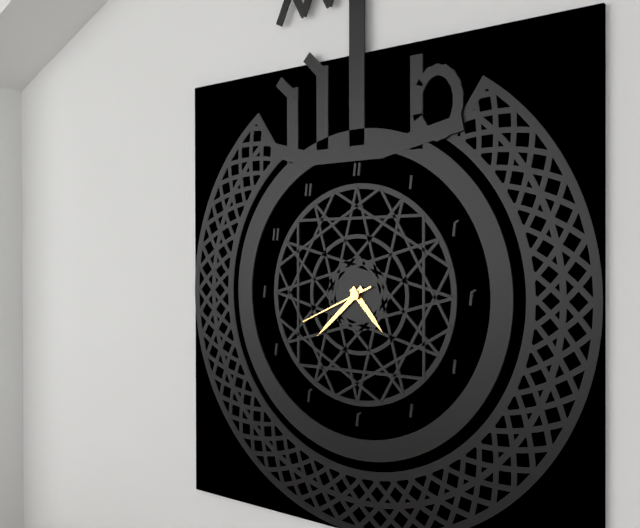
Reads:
4,38,41
